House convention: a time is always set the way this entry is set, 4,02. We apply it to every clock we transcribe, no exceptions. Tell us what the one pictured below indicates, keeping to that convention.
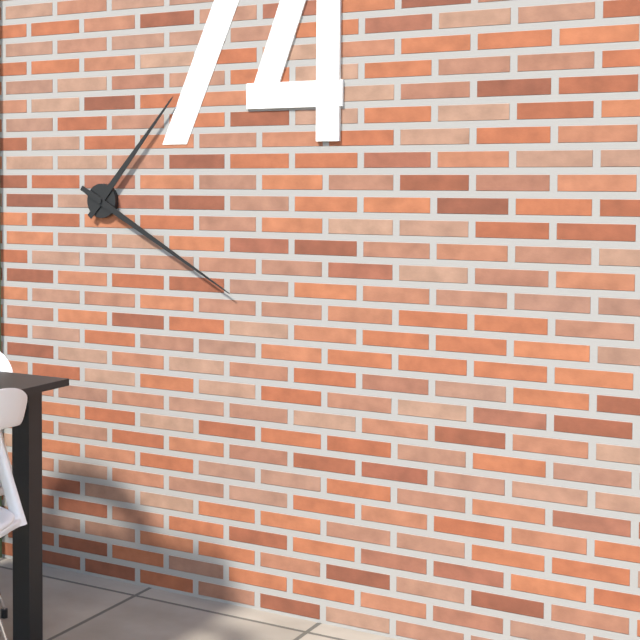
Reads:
1,20
